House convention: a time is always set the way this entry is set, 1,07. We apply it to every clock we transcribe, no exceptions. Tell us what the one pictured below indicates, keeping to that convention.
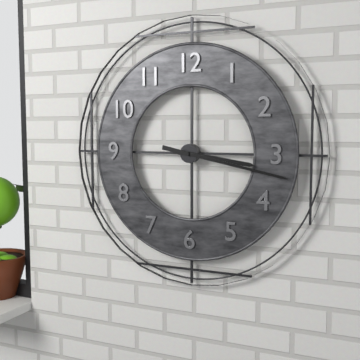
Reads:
3,17
